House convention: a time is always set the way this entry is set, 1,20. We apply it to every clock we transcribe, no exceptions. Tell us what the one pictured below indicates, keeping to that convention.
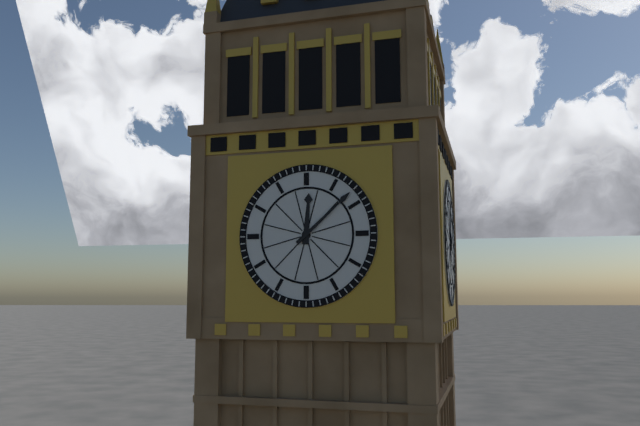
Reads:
12,08
